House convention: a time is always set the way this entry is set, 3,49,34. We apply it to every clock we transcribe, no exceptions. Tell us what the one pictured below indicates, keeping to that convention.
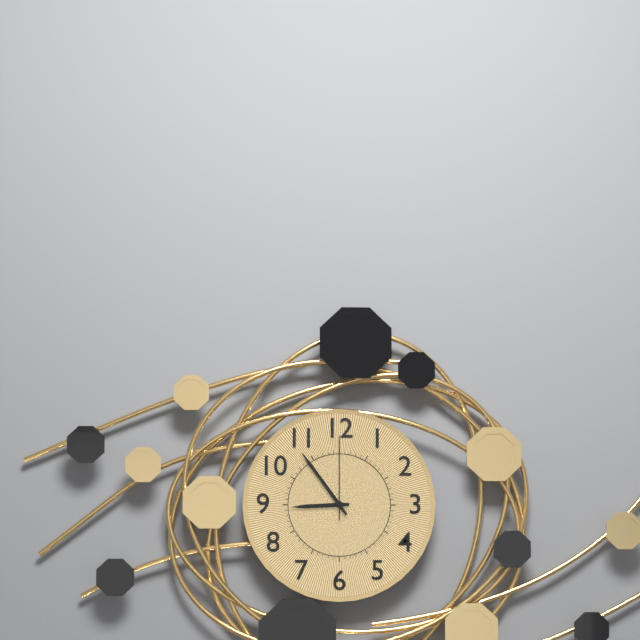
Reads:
8,54,00
